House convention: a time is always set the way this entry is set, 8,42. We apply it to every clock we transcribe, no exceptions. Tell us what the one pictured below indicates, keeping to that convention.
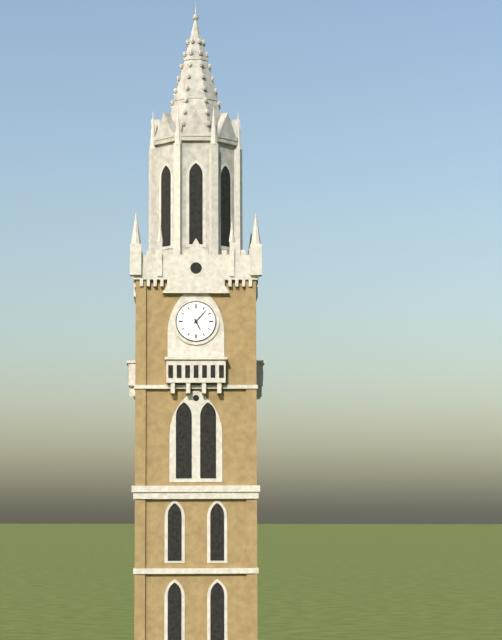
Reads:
5,07
